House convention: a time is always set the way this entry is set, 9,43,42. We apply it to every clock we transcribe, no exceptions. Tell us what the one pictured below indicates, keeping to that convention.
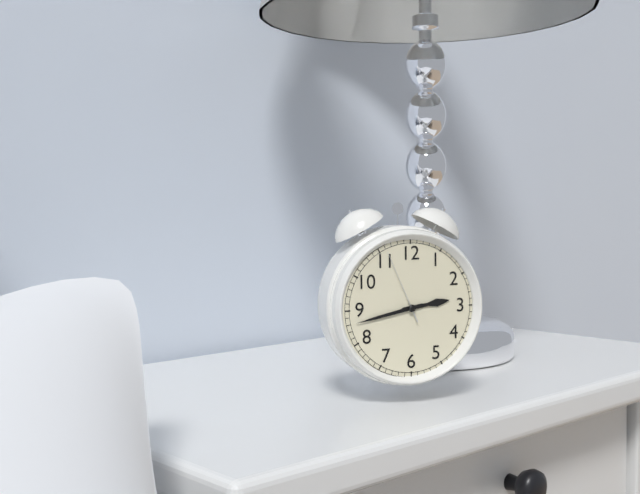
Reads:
2,43,56
